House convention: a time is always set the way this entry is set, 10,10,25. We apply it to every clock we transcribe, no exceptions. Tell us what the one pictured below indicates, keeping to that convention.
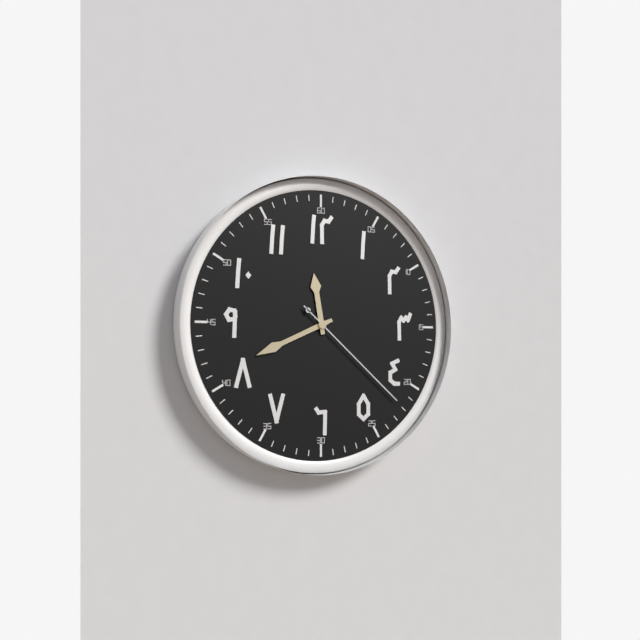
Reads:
11,41,22
